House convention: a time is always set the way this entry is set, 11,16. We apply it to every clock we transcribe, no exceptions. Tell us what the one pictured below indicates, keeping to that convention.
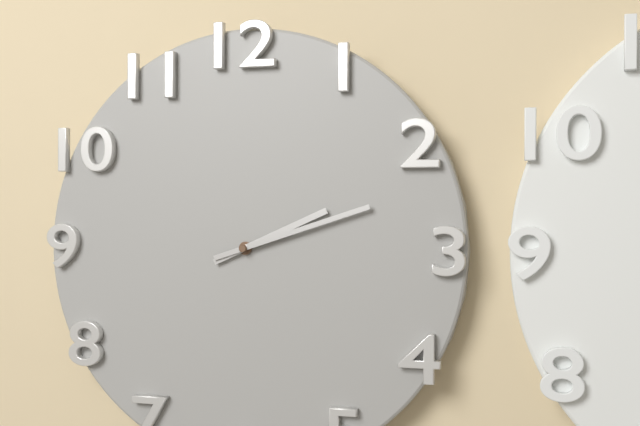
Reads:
2,12
